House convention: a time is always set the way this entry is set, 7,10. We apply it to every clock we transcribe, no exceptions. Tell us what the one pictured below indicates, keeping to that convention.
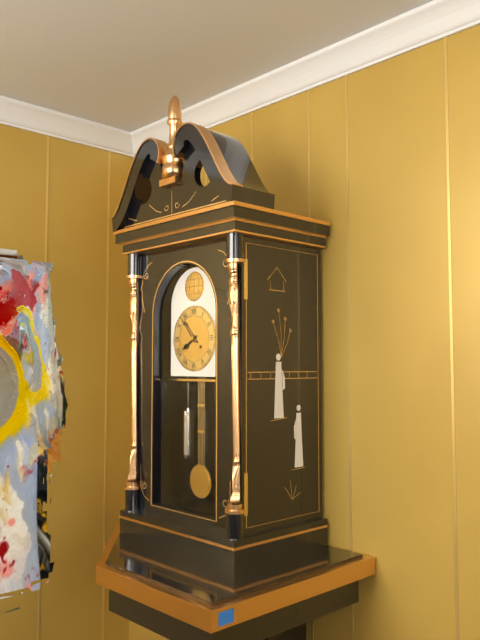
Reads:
7,53
